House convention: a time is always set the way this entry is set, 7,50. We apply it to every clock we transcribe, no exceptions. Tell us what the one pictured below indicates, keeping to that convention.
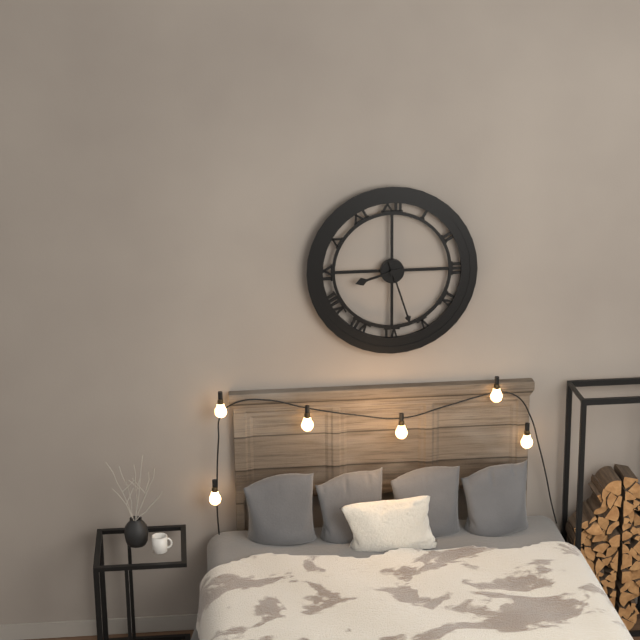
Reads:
8,27
